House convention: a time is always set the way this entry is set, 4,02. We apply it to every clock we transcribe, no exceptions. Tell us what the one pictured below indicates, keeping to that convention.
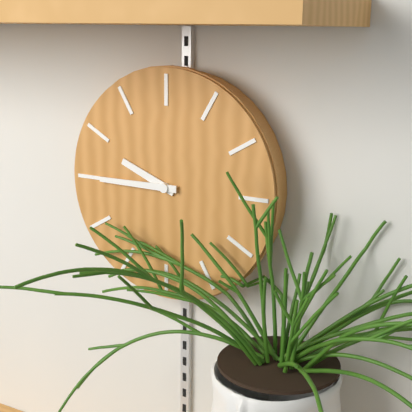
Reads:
9,45
